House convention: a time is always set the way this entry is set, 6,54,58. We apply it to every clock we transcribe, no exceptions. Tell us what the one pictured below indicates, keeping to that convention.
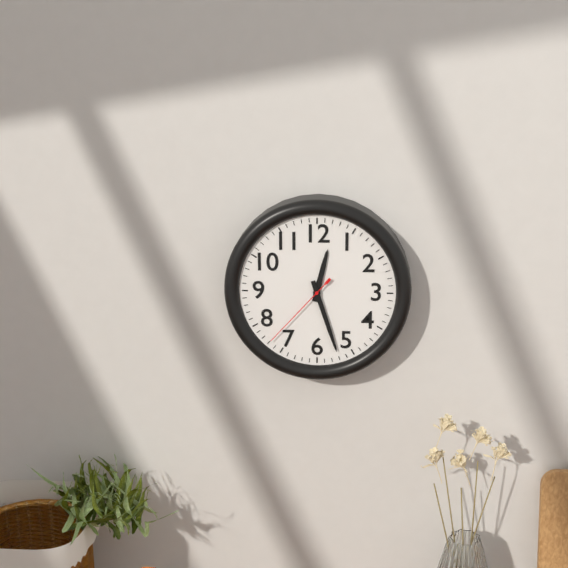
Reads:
12,27,37
